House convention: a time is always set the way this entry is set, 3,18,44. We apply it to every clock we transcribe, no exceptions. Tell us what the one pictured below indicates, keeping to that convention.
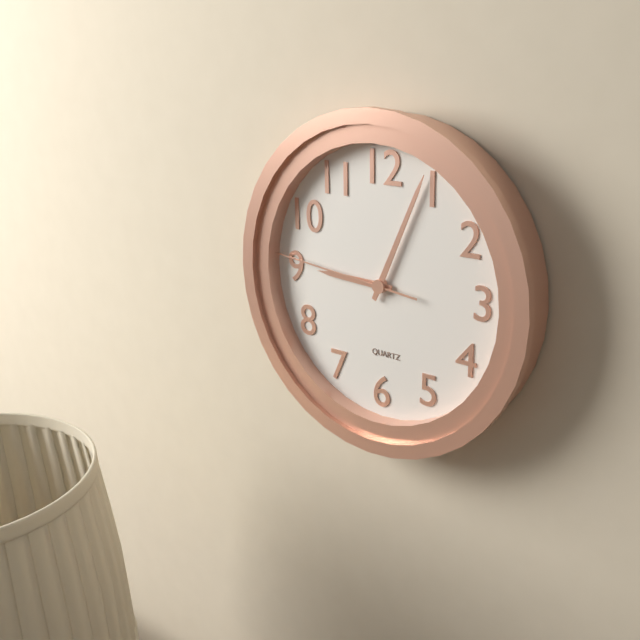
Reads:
9,04,46
